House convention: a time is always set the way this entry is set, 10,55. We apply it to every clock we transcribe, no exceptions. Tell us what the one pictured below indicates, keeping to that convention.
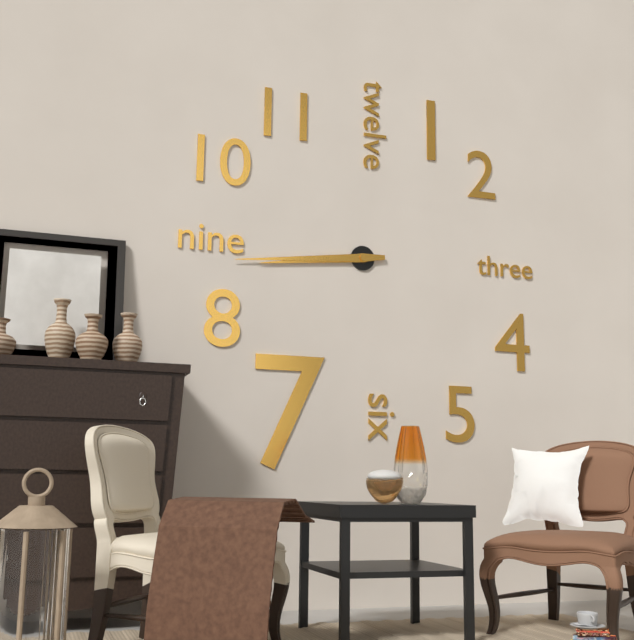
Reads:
8,44
